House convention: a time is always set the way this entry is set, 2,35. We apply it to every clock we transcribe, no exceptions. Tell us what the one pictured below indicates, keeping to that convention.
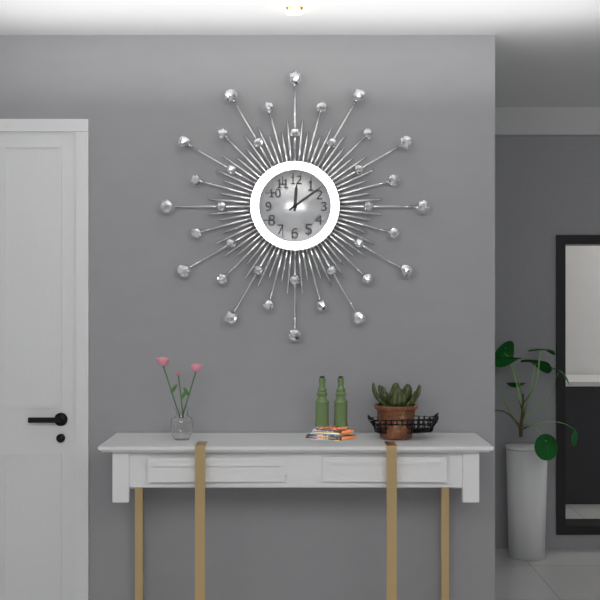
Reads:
12,09
